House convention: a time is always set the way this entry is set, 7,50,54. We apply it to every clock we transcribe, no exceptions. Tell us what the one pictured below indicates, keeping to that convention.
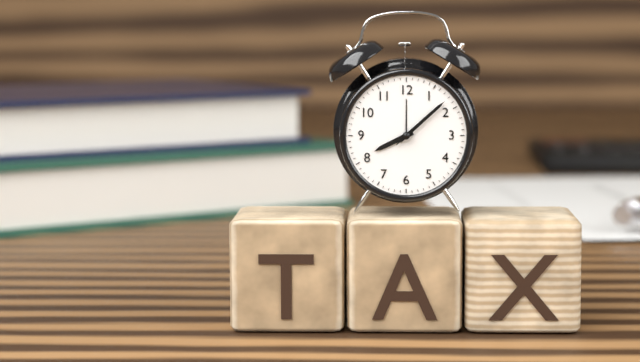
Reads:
8,08,08
